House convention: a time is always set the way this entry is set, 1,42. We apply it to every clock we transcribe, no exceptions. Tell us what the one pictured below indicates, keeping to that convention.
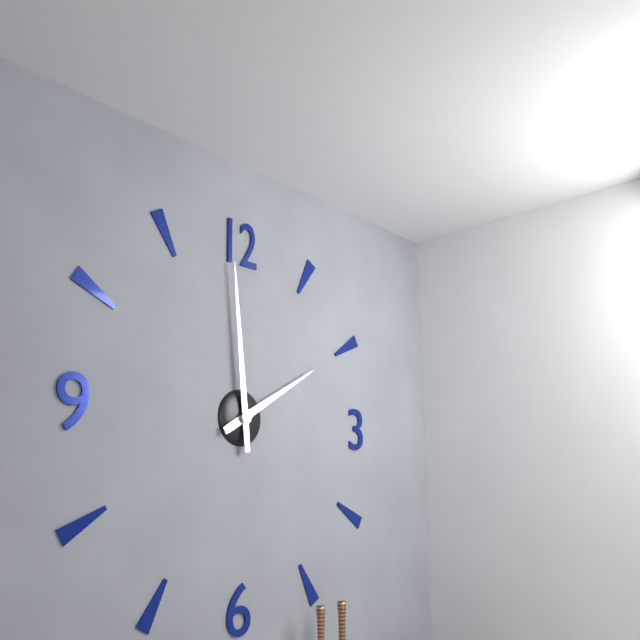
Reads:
1,59
